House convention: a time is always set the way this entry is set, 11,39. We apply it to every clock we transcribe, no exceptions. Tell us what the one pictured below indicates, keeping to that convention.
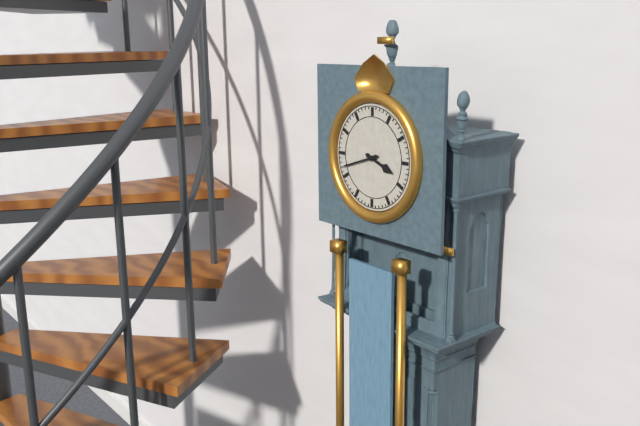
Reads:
3,42
